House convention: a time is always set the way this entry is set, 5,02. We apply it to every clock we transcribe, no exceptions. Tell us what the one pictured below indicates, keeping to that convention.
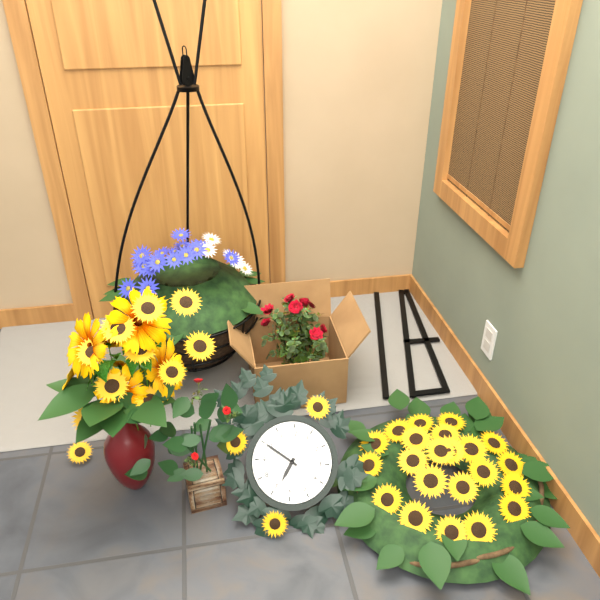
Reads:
6,50
